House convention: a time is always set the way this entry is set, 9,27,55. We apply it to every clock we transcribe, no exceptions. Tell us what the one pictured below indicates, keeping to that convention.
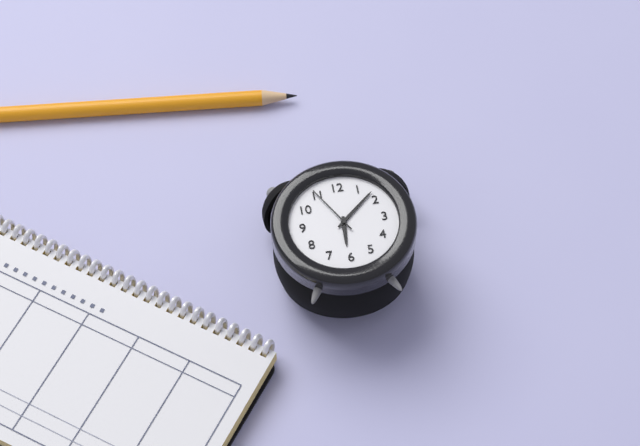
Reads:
6,08,55
